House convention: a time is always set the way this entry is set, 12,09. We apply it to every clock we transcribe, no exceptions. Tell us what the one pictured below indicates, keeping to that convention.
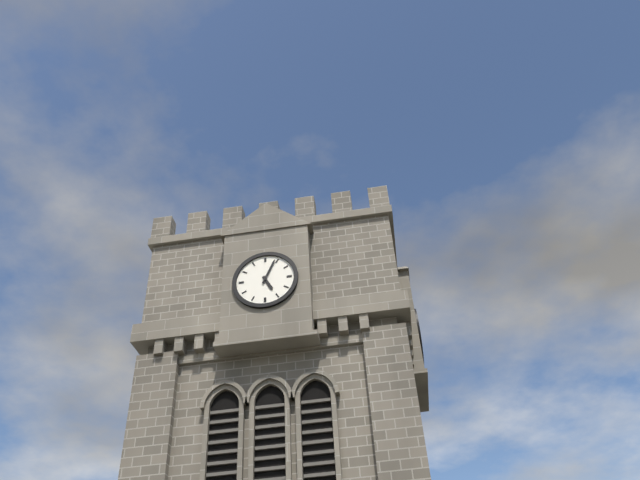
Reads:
5,04
